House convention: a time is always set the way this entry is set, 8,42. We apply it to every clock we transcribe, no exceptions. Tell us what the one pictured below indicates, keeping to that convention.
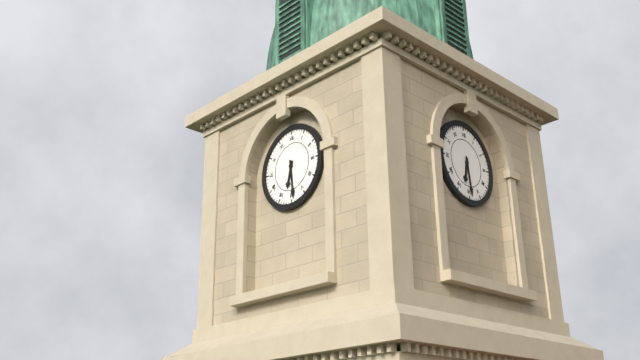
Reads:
6,29
